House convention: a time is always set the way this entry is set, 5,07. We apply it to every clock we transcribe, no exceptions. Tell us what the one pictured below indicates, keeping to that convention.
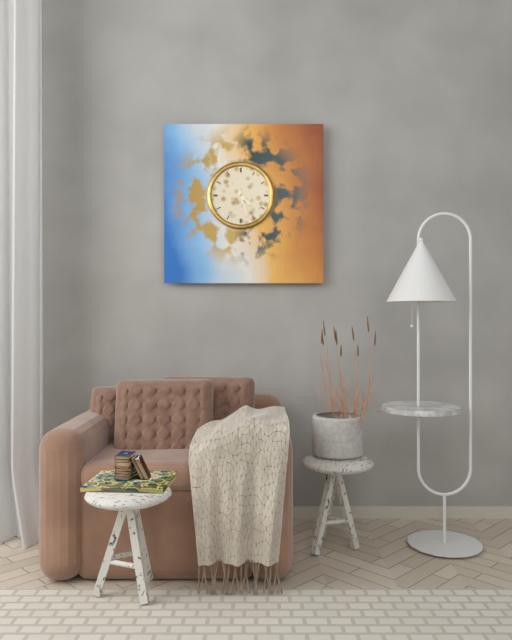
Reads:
4,27
